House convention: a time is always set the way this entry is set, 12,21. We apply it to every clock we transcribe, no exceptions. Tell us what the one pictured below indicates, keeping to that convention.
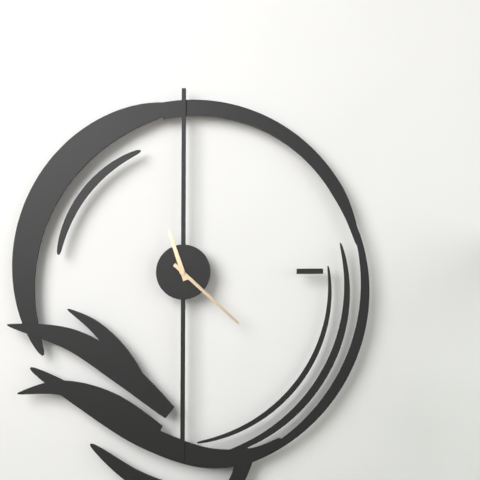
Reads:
11,22
